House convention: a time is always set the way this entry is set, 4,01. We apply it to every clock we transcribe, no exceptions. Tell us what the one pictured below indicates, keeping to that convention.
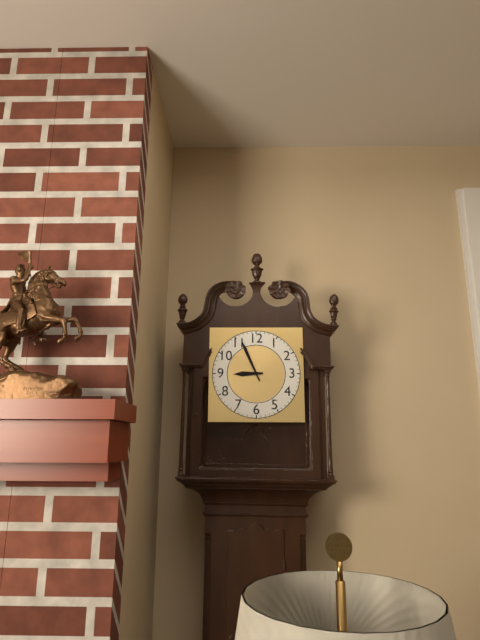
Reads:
8,56
